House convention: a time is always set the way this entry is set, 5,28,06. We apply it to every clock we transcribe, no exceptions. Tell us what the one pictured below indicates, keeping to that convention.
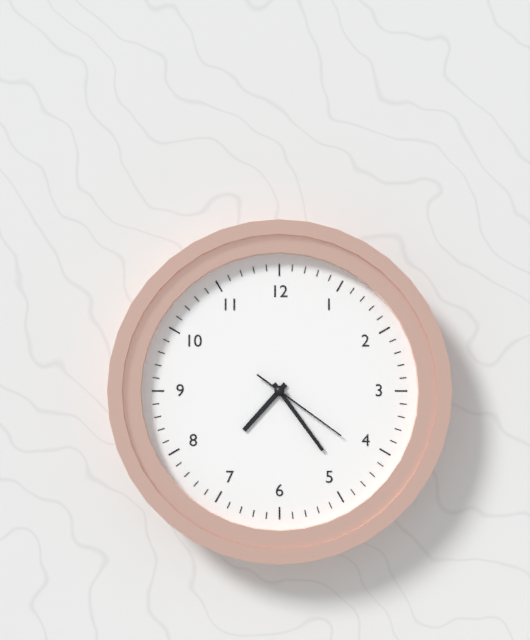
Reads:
7,24,21
